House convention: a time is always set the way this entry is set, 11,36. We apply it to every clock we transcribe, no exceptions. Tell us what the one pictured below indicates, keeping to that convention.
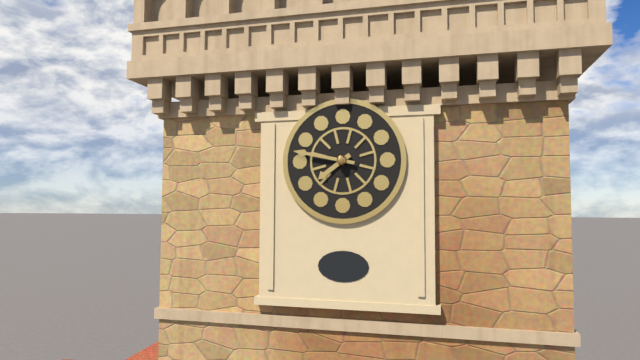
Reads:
7,47
